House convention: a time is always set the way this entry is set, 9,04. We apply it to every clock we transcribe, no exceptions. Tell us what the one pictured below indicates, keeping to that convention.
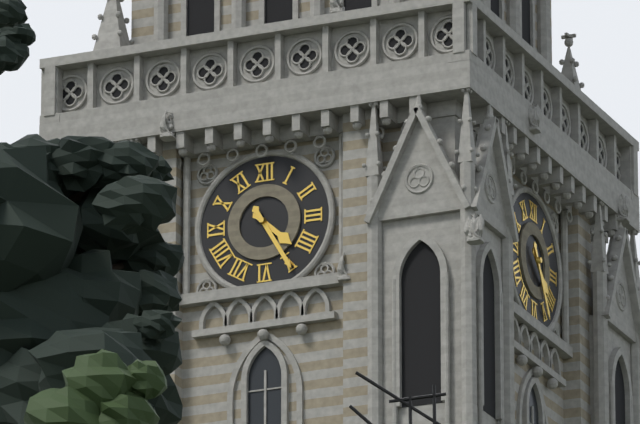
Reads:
4,25
